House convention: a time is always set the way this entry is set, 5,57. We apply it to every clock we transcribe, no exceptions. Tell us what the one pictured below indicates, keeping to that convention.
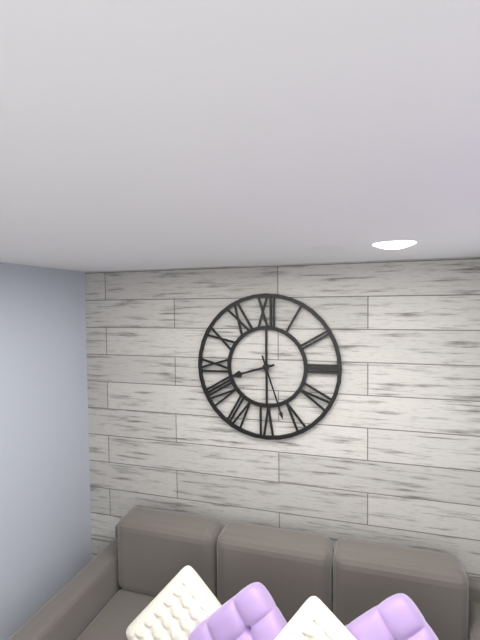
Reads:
8,27
